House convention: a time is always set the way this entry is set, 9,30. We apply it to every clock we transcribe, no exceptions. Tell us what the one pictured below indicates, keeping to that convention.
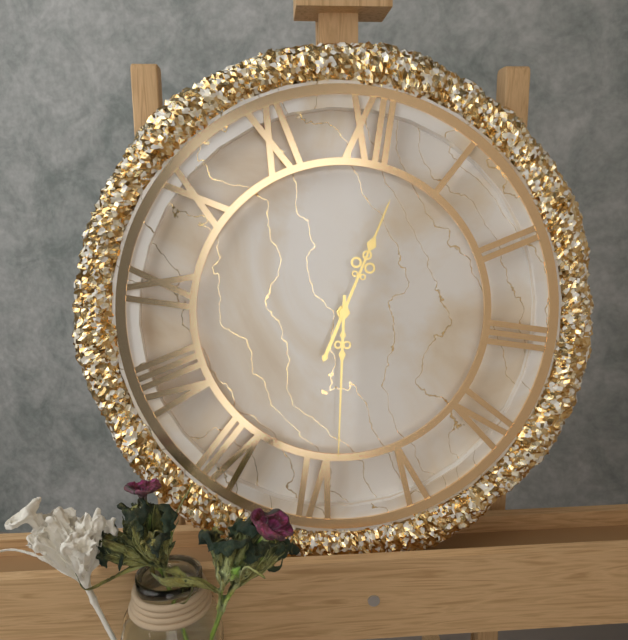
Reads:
12,29
